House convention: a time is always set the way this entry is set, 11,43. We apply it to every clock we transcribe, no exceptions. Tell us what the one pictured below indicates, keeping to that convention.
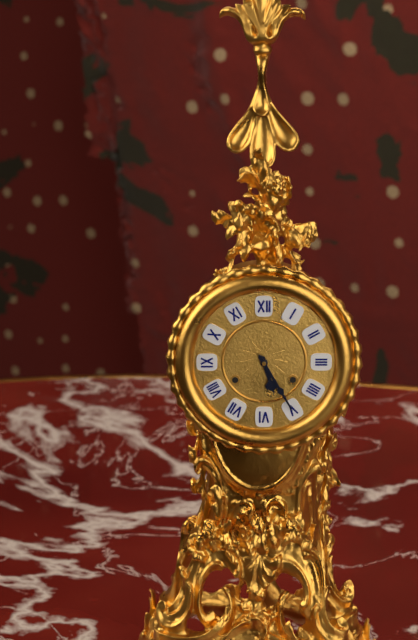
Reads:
5,25
